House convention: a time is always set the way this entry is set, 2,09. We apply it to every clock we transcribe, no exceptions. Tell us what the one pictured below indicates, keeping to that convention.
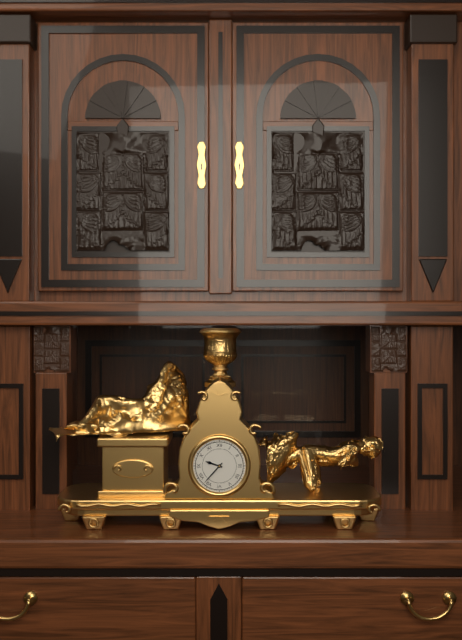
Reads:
9,37
